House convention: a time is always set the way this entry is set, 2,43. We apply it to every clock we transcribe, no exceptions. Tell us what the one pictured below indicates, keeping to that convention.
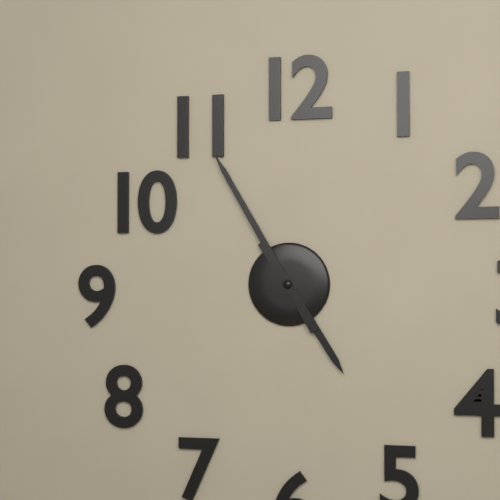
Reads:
4,55
